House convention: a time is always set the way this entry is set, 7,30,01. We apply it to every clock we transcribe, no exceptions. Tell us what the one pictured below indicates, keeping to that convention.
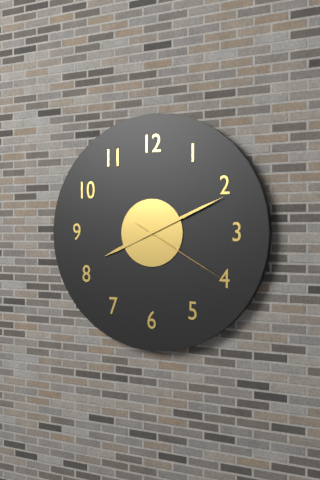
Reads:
8,11,20
